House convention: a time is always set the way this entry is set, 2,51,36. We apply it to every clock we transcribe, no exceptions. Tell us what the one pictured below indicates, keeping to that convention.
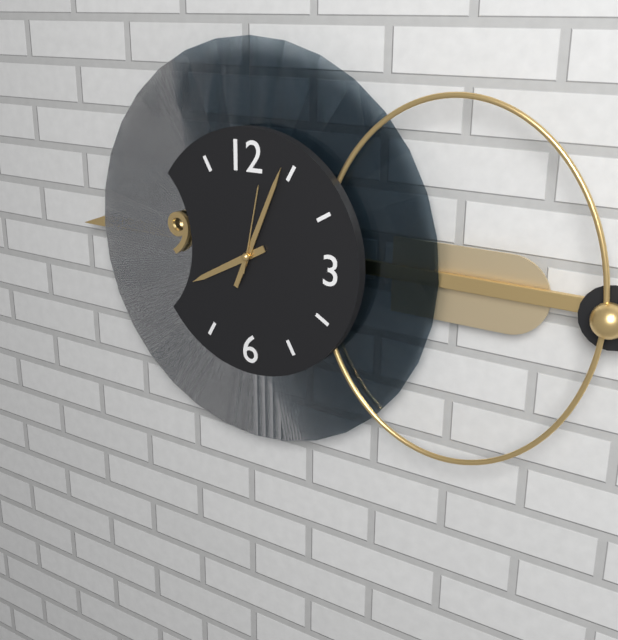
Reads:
8,04,02
